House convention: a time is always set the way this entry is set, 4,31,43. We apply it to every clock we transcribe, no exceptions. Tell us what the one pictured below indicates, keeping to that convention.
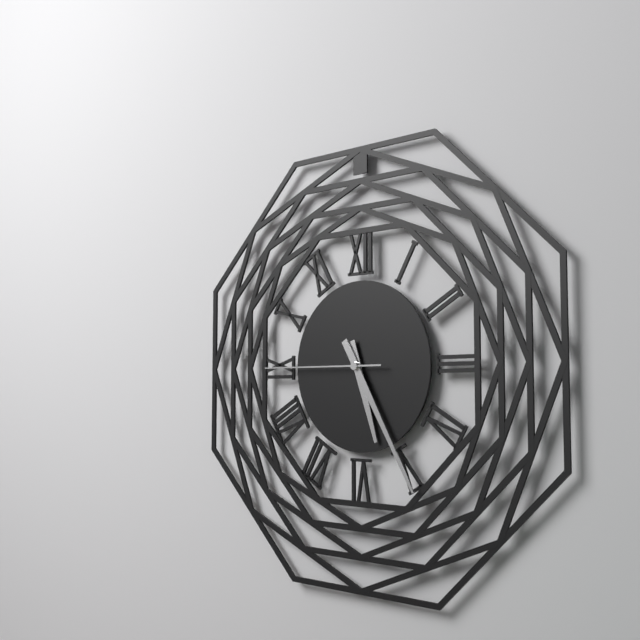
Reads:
5,25,45
